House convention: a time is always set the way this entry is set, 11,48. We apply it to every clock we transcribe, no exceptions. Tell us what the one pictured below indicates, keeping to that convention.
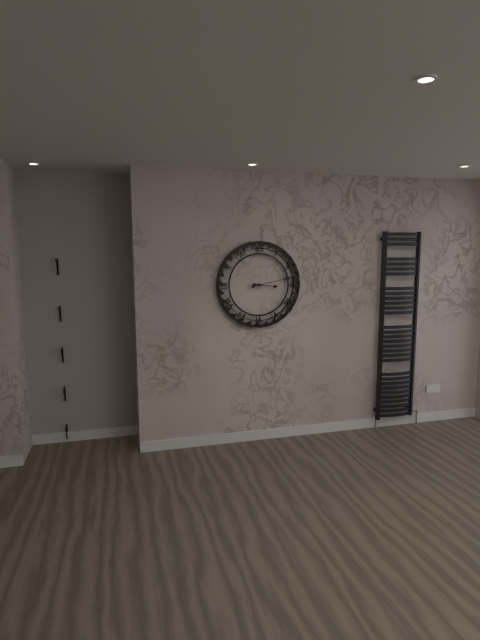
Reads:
3,13
